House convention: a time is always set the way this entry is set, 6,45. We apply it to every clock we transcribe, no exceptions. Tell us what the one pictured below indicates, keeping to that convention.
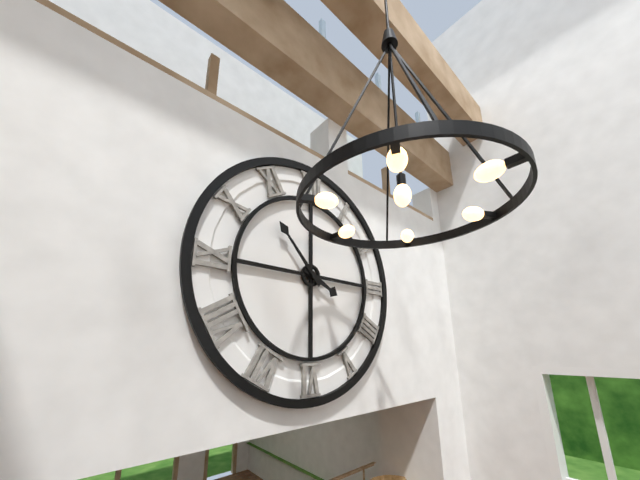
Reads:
3,53
